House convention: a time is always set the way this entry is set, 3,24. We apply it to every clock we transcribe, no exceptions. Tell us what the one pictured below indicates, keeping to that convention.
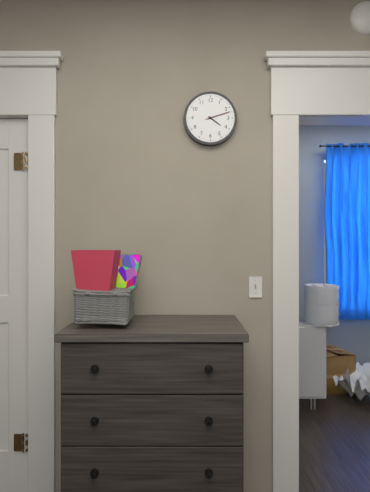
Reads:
4,12
